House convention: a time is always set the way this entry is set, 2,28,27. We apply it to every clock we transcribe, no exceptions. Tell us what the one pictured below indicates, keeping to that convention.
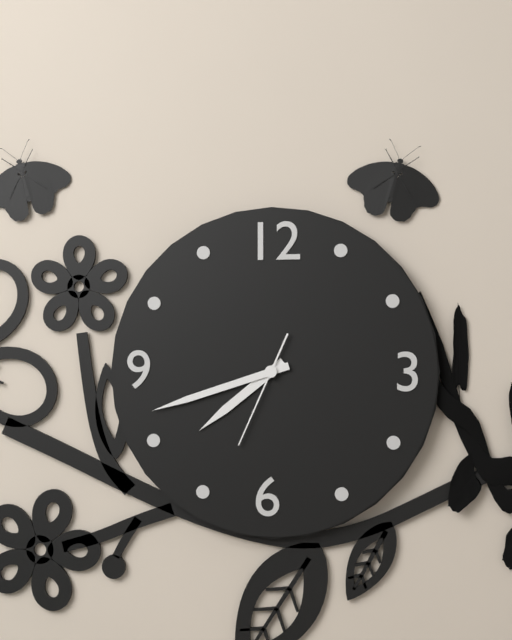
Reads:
7,42,34
